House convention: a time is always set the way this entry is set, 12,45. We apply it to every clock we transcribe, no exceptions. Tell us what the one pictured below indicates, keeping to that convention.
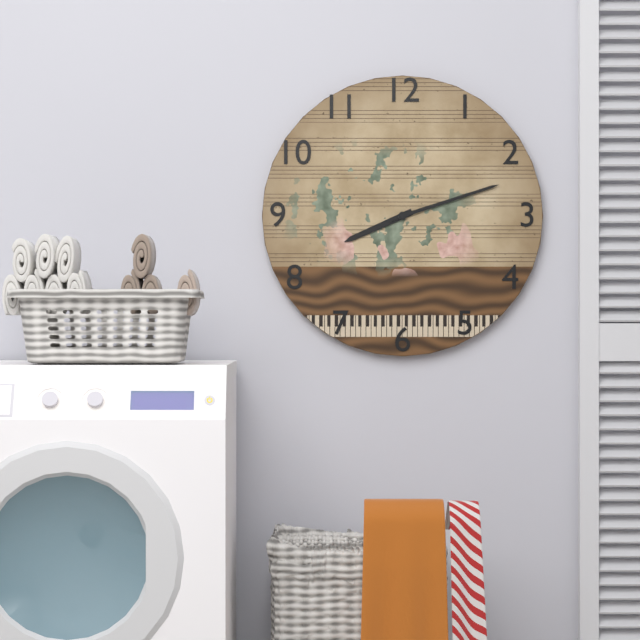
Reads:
8,12
